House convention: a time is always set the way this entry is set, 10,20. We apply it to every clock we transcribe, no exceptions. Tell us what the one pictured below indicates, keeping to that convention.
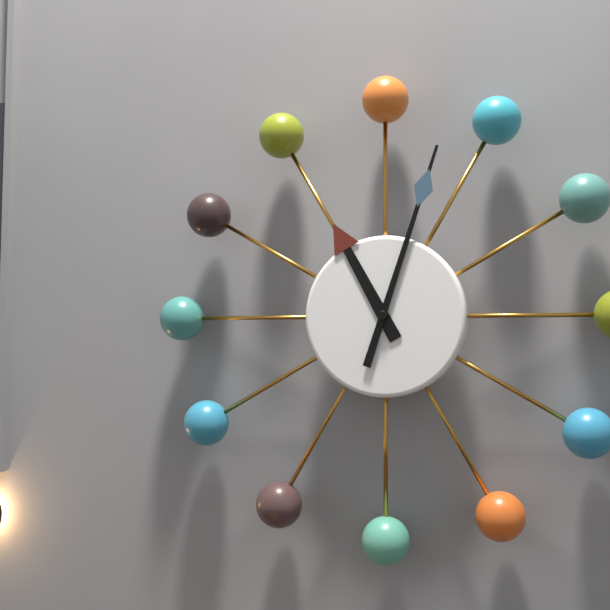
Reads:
11,03
